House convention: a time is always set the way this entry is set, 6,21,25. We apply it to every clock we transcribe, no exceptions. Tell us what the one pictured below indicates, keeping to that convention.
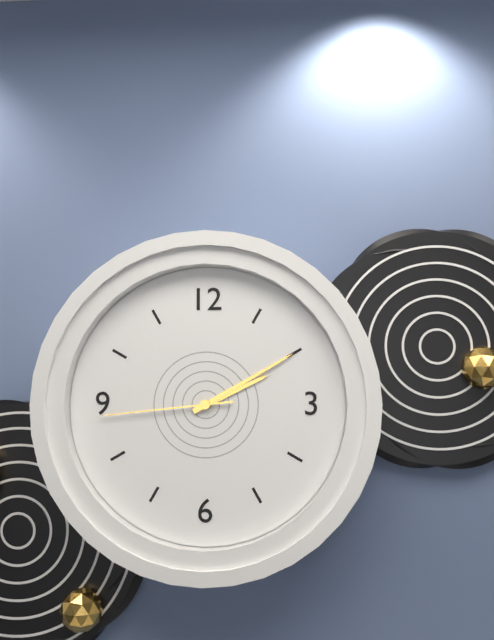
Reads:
2,10,44
